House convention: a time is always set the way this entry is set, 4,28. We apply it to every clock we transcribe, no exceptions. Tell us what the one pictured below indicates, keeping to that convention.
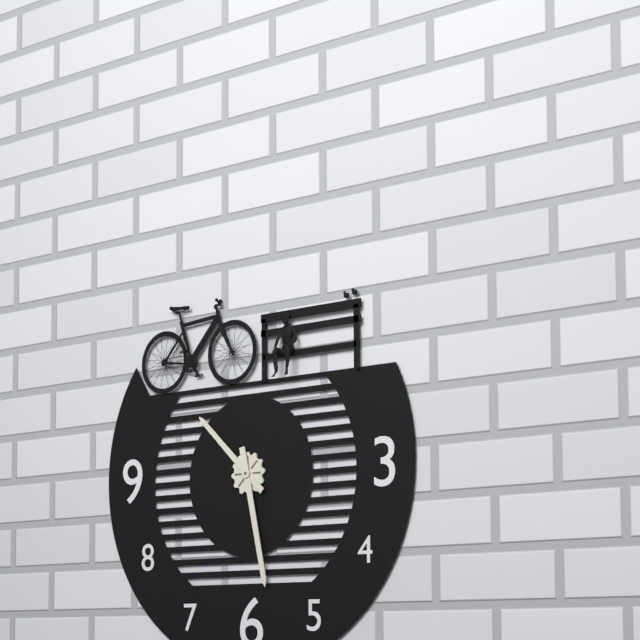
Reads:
10,28
